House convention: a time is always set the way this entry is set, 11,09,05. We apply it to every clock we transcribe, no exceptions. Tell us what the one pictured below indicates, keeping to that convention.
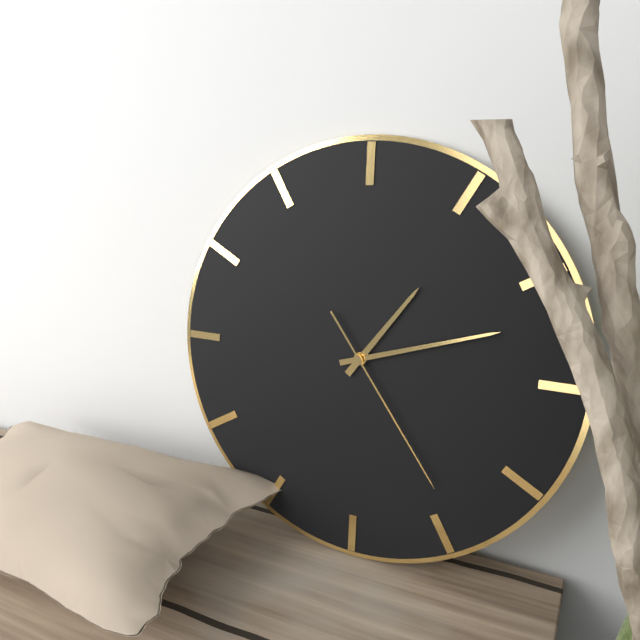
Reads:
1,12,24
